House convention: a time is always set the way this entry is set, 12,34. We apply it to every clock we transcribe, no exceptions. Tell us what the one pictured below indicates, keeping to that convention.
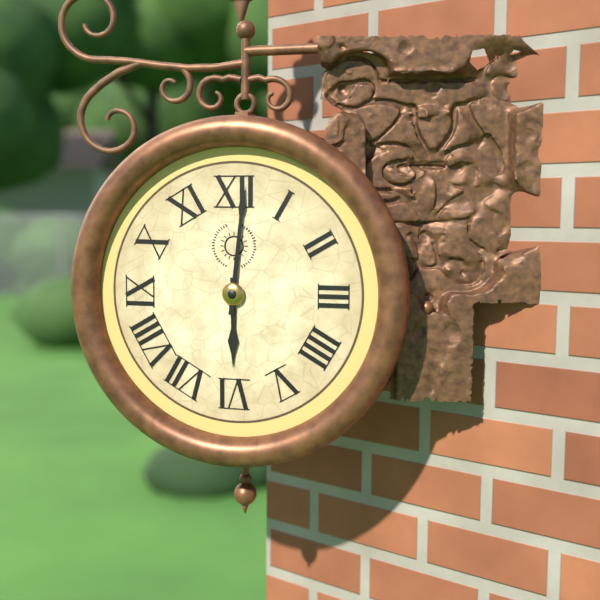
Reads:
6,01
